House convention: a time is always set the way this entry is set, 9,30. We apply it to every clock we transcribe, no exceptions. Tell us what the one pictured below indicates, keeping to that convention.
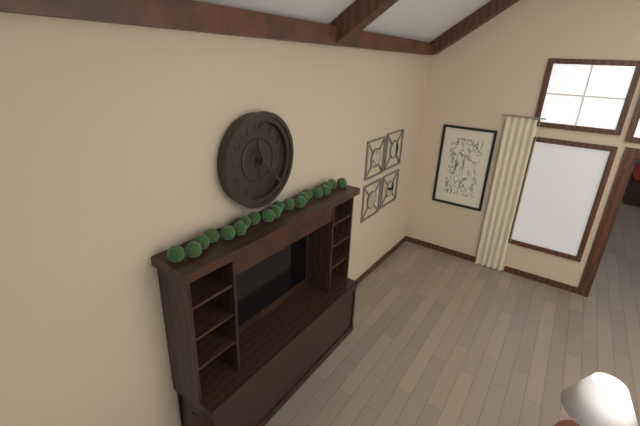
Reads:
11,23
